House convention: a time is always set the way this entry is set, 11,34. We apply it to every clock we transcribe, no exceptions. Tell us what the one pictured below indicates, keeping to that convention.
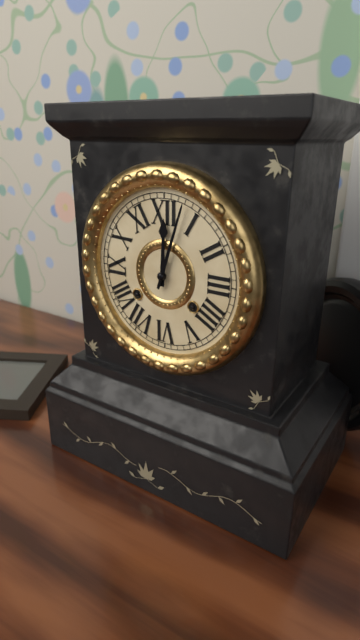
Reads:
12,03
